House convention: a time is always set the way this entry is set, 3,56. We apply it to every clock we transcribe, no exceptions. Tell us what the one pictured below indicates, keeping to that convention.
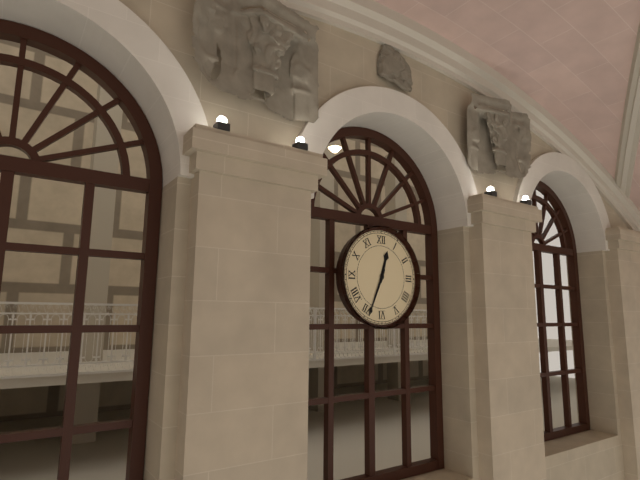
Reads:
12,34
